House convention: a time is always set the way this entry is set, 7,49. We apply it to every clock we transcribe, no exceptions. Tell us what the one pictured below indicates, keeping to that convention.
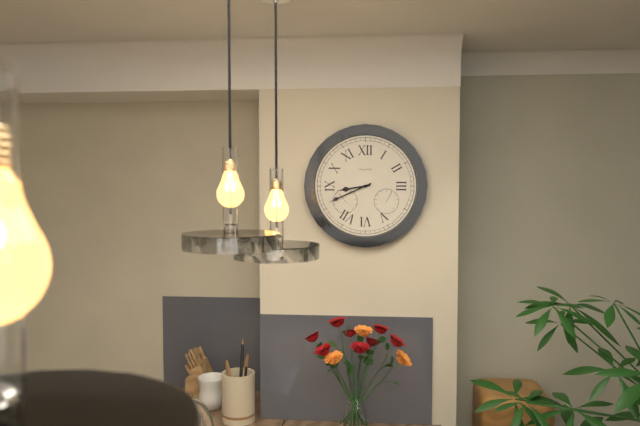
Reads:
8,41
